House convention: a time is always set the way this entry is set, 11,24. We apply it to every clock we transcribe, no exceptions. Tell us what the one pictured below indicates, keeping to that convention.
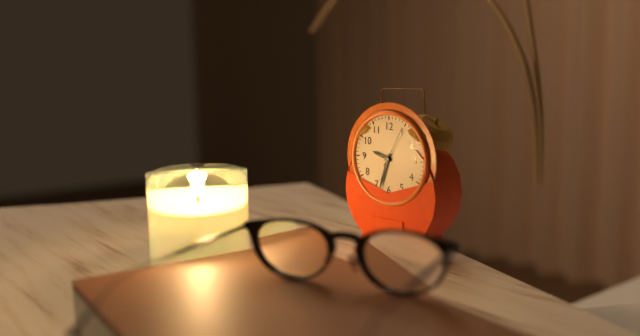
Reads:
9,33
